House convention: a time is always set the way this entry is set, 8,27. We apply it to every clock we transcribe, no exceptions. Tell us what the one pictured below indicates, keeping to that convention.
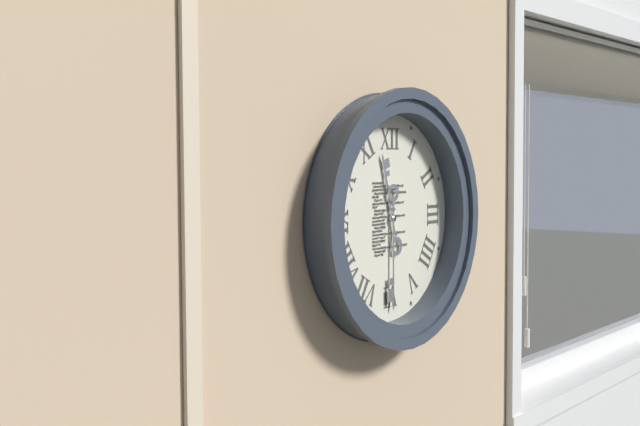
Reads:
11,30
